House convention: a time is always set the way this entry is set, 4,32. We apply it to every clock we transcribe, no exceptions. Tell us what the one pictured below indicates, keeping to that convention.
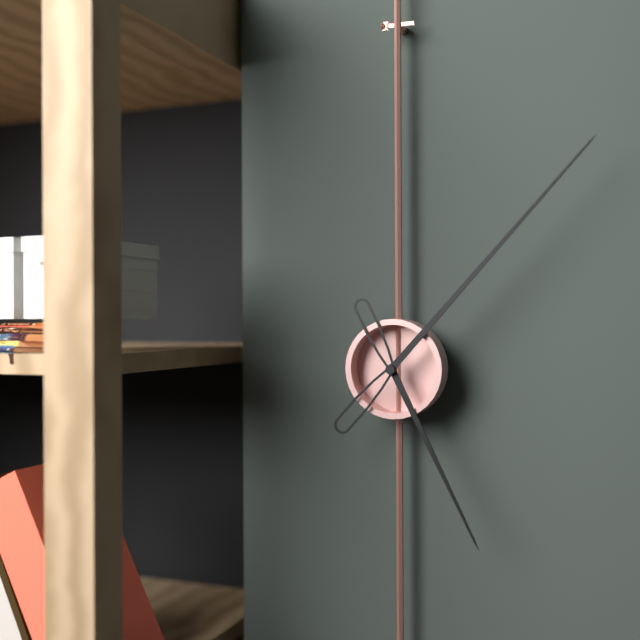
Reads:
5,07
